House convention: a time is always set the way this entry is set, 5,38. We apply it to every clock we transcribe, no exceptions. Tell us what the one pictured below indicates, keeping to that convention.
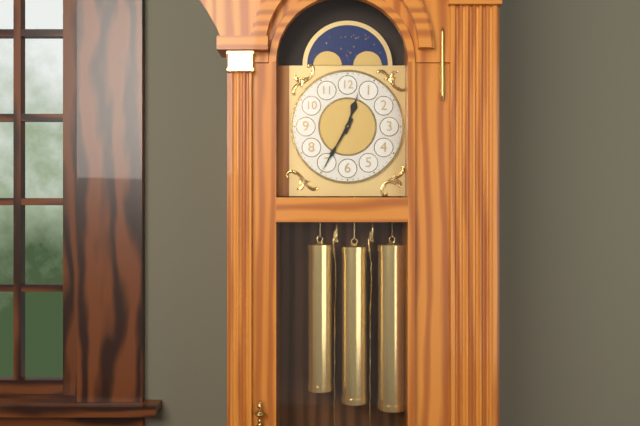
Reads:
12,35
